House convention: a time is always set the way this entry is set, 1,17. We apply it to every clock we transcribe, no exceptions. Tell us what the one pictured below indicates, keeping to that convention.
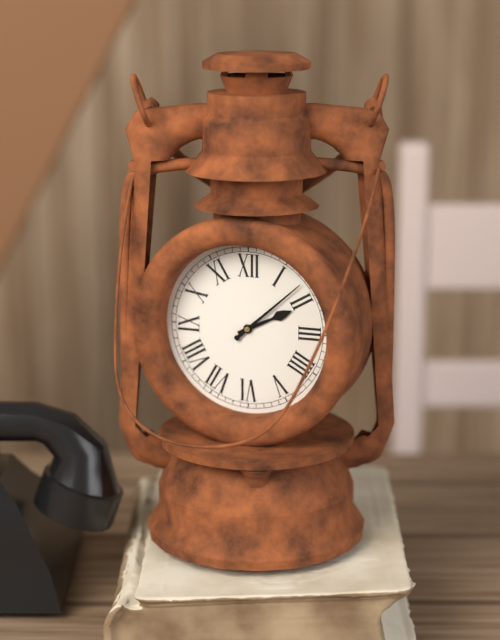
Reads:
2,08
